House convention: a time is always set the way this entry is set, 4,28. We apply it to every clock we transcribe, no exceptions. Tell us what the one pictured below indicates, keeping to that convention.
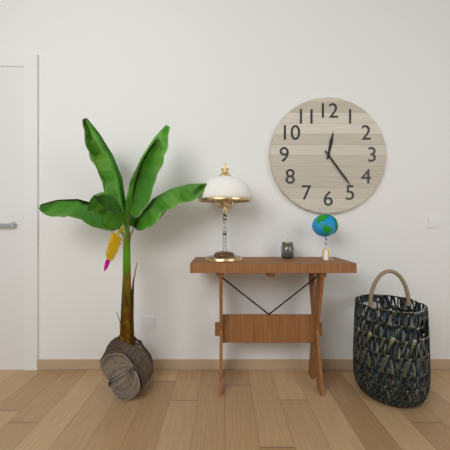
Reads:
12,24
